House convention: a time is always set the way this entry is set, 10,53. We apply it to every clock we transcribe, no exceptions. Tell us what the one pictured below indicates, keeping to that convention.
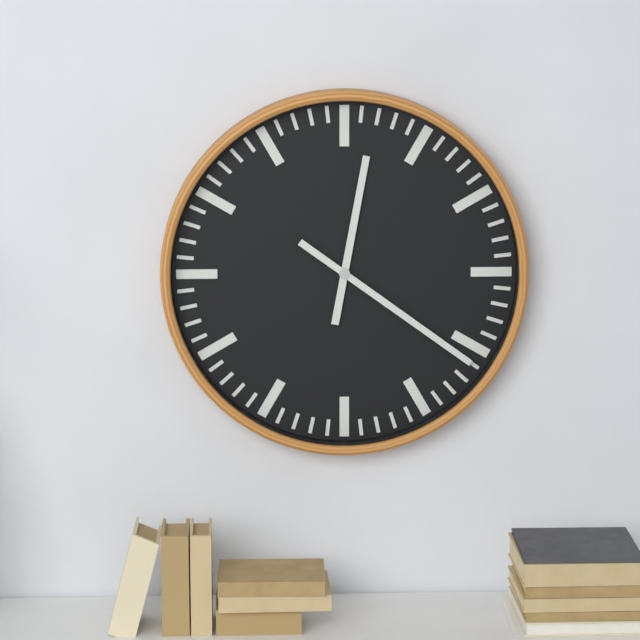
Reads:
12,21
